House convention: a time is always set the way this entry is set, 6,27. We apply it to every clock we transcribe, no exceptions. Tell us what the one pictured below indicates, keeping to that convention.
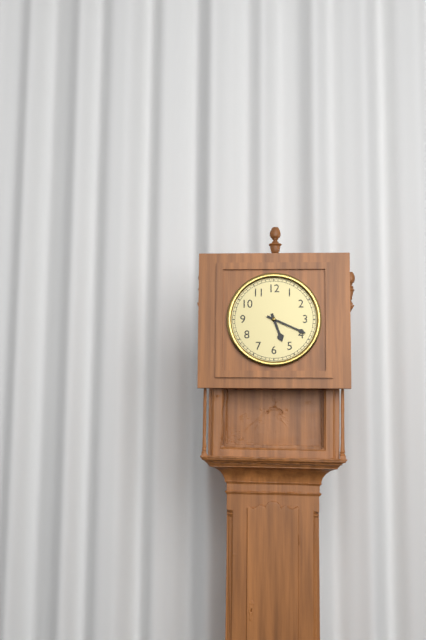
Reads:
5,19
